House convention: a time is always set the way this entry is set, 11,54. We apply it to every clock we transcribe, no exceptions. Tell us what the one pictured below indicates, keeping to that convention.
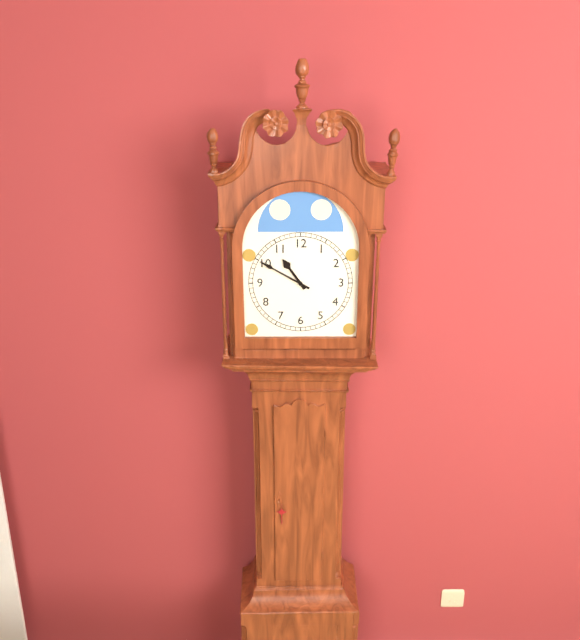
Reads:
10,50
